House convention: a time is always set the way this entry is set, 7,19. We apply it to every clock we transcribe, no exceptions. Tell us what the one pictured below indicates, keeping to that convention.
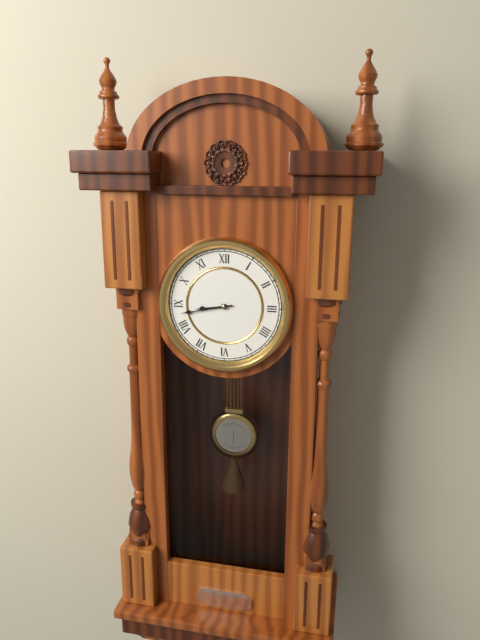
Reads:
8,43
